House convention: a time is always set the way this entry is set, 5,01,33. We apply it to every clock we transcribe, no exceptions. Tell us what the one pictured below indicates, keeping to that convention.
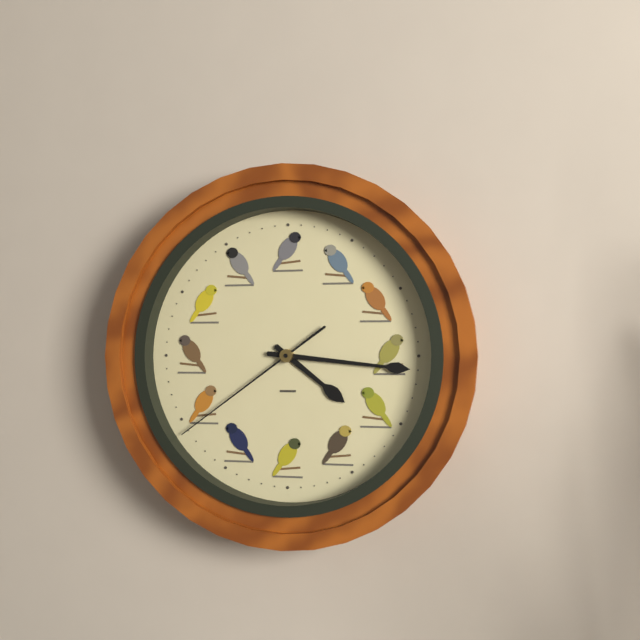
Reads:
4,16,39
